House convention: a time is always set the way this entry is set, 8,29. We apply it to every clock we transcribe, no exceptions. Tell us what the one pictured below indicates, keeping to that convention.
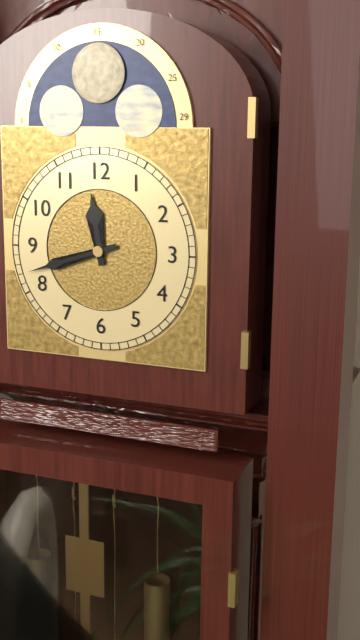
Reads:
11,42
